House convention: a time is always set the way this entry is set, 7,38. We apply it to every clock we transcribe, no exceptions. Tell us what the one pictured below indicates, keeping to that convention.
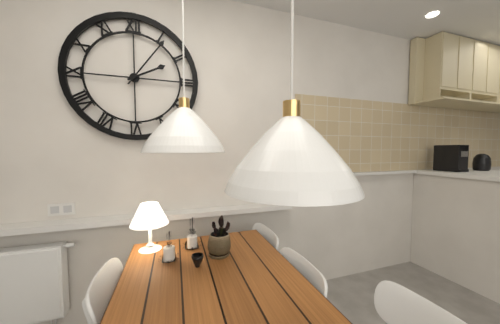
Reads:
2,06
